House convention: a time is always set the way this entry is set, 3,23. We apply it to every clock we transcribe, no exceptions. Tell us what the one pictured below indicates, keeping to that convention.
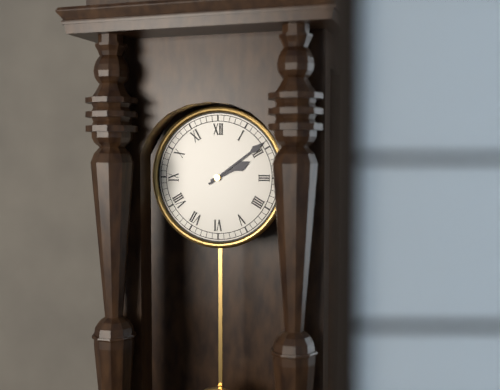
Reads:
2,09
